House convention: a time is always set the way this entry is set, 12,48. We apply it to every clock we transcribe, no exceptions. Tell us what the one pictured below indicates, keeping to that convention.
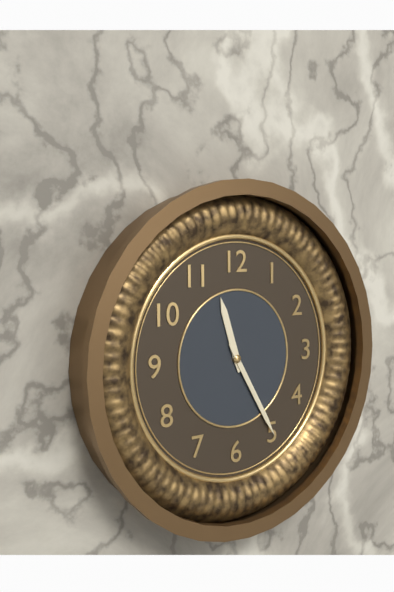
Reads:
11,25
